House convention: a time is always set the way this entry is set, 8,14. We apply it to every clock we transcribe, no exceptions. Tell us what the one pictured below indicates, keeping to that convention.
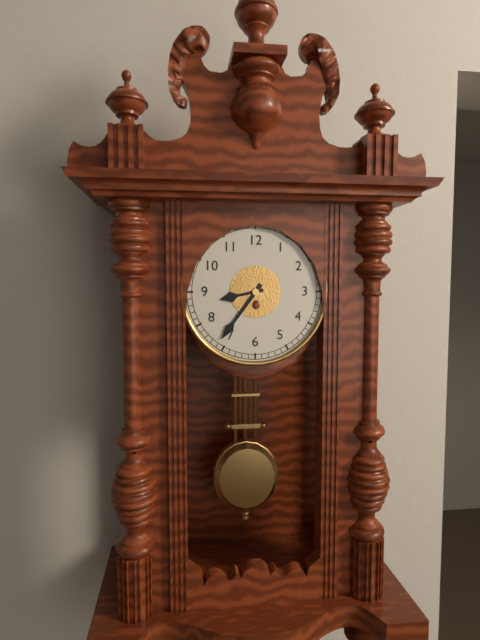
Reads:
8,36
